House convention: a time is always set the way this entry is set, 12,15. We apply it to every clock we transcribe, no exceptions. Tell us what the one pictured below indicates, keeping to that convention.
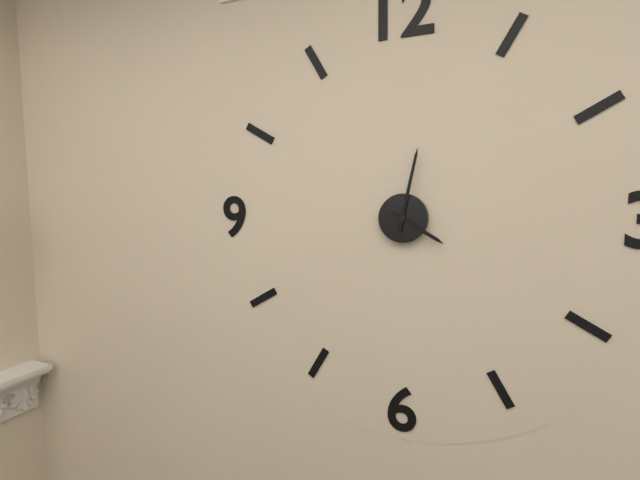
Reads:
4,02
